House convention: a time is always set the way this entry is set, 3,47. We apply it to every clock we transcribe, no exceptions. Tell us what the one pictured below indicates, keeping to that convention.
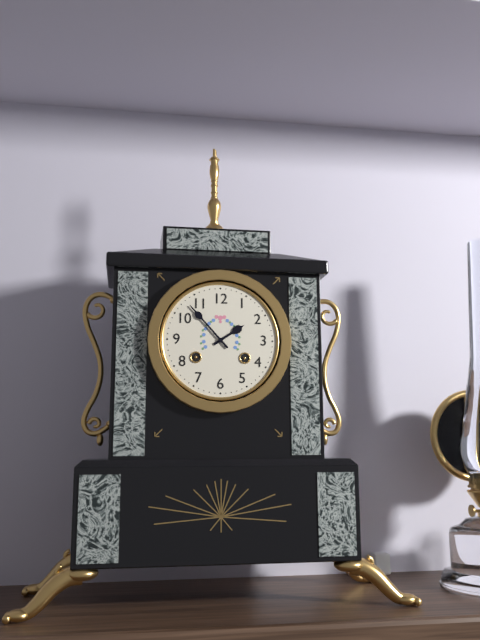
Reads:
1,53
